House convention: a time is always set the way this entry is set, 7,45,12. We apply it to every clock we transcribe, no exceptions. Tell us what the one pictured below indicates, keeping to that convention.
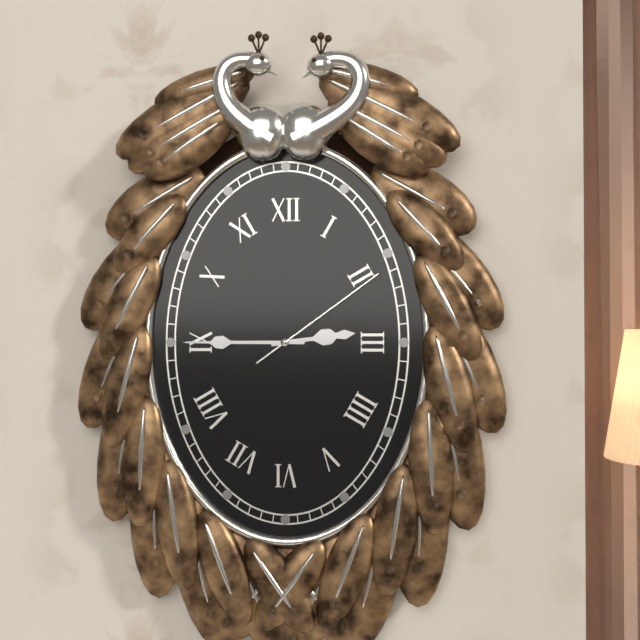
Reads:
2,45,09
